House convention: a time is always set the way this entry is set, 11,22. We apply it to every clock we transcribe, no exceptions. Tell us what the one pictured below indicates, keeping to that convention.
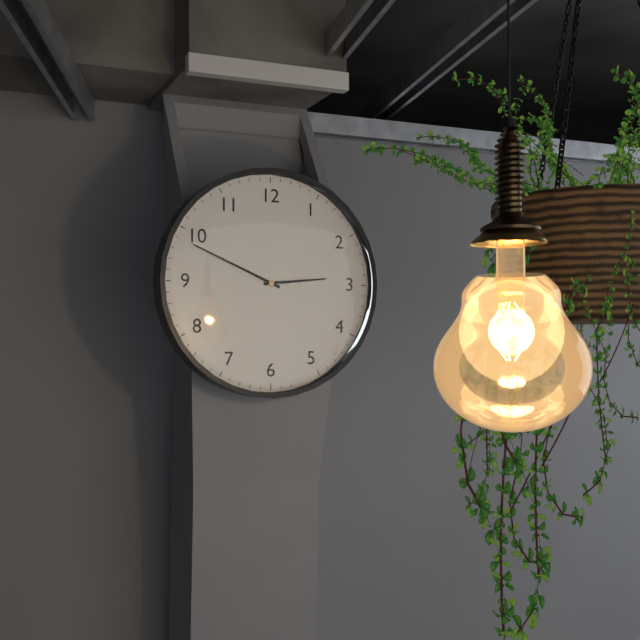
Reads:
2,49
